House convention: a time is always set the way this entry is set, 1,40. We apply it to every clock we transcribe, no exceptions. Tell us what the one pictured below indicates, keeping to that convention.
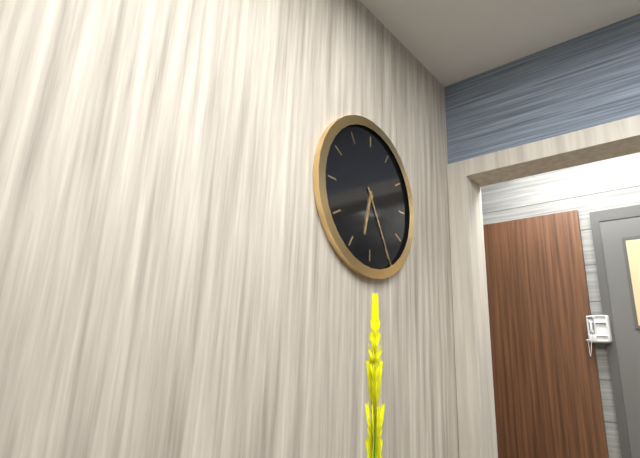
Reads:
6,25
